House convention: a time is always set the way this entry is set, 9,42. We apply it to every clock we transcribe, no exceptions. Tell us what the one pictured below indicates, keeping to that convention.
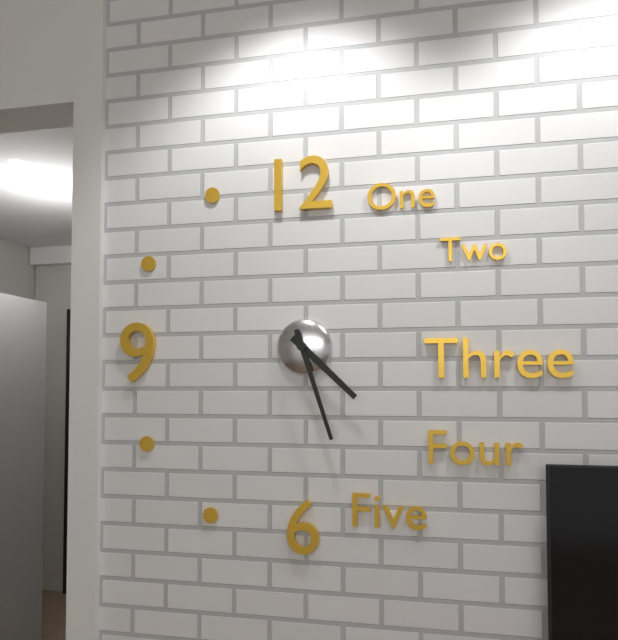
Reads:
4,27
